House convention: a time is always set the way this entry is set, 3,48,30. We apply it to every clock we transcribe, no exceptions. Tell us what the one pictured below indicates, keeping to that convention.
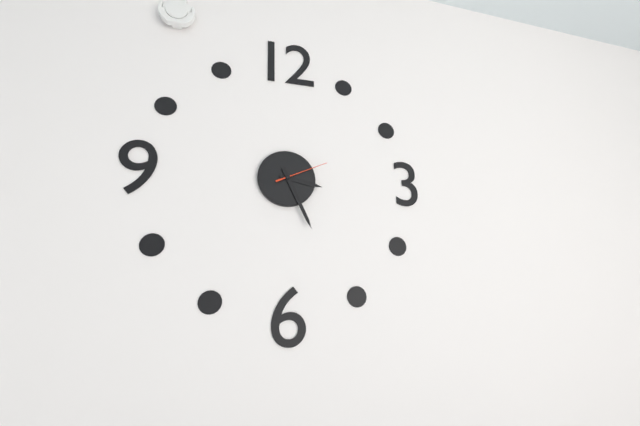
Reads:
3,26,11
